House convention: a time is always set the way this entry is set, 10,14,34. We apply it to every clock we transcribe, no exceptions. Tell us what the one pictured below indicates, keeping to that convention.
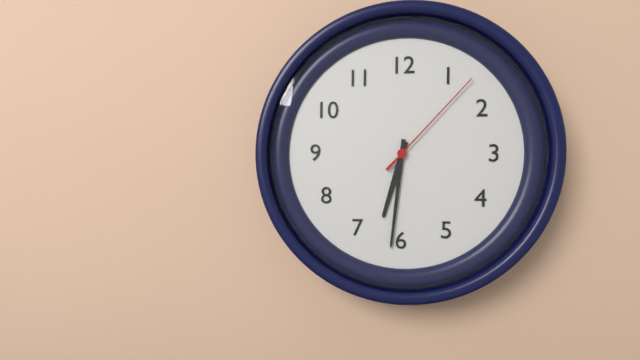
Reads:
6,31,07
